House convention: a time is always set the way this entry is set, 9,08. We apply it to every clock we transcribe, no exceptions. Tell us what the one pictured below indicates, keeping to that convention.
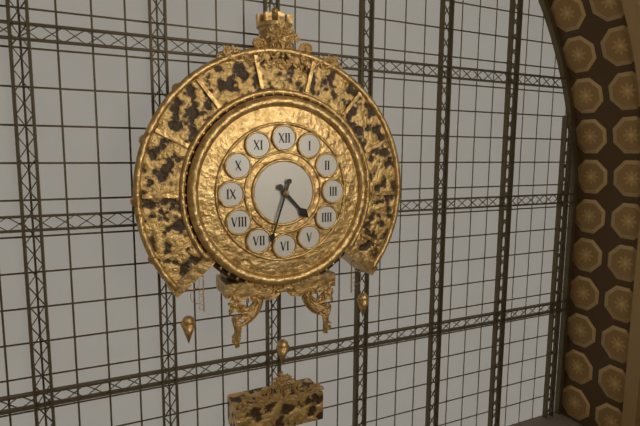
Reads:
4,33
